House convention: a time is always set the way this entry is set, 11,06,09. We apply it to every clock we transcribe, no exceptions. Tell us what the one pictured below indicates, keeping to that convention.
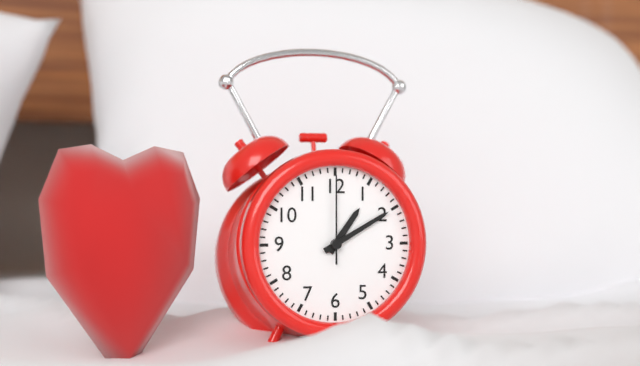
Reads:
1,10,00
